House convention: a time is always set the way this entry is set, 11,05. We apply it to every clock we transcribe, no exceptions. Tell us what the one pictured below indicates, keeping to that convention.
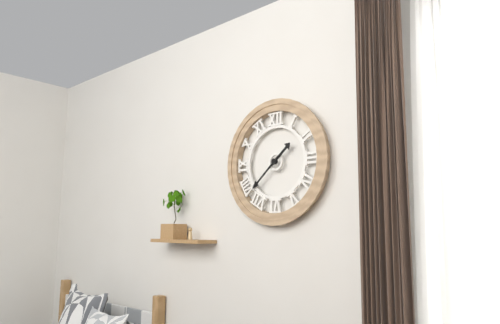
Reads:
1,38
